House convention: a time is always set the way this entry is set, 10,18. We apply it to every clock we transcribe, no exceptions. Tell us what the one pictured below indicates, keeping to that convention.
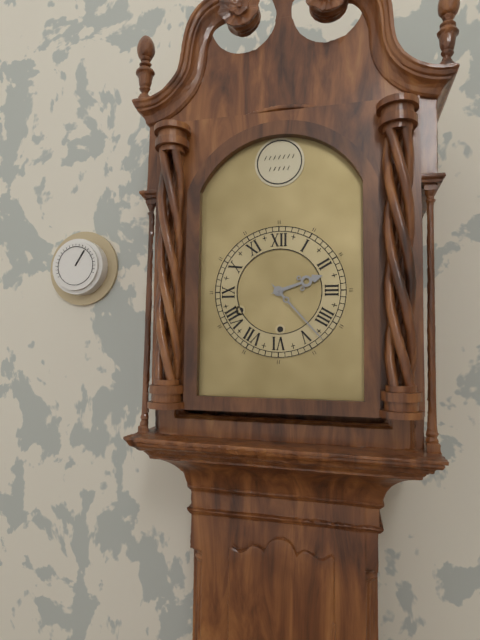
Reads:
2,23
